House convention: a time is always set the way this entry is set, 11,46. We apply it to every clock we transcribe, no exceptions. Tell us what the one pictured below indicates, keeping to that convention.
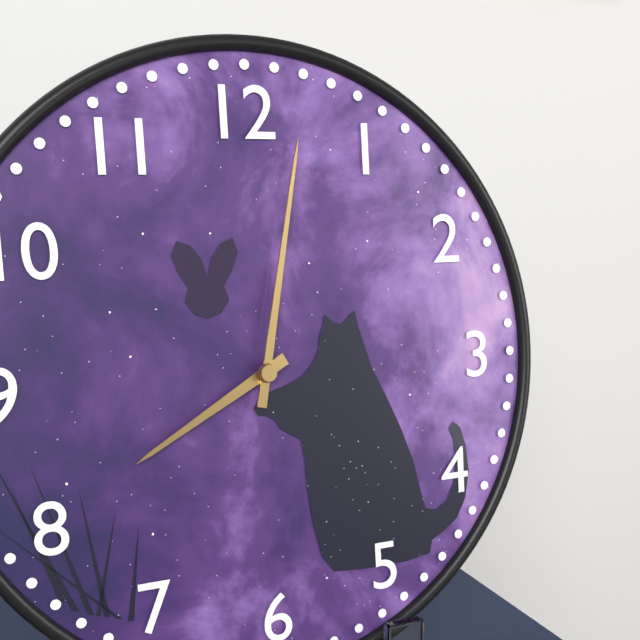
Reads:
8,02
